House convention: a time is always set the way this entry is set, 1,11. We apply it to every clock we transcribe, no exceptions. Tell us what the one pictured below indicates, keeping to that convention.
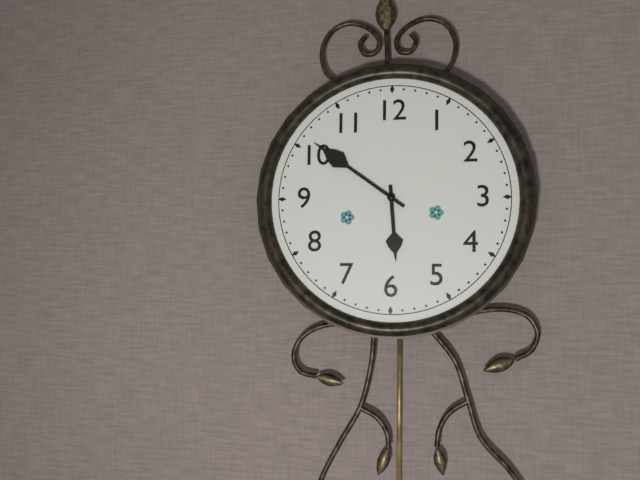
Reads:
5,51
